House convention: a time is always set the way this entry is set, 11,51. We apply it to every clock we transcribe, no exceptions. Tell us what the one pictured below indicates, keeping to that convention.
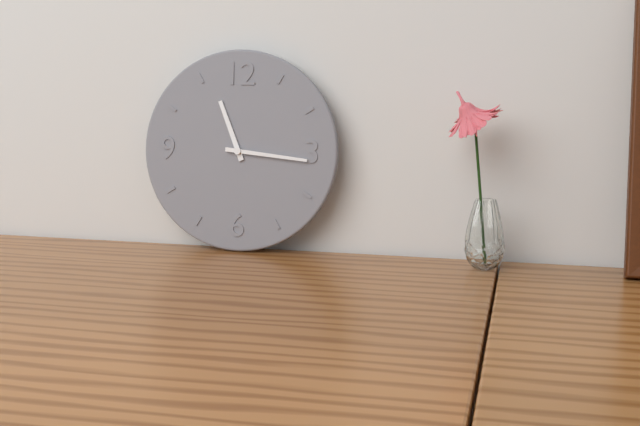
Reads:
11,16
